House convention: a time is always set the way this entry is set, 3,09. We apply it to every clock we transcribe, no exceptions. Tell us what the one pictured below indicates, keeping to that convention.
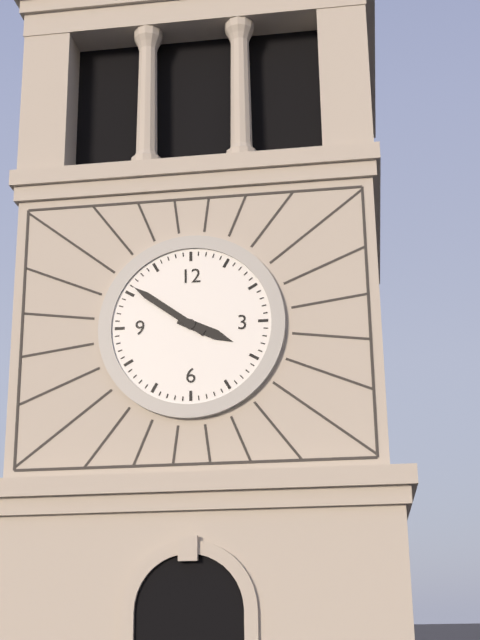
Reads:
3,51
